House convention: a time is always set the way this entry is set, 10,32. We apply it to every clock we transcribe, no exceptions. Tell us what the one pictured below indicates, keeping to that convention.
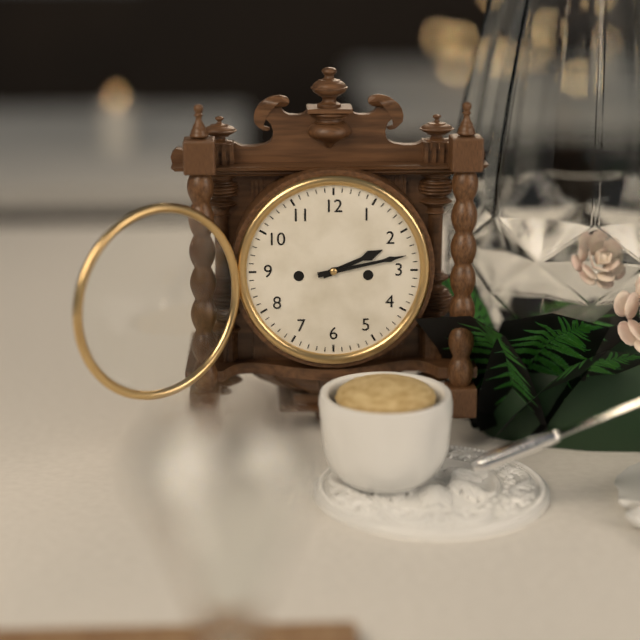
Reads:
2,13
